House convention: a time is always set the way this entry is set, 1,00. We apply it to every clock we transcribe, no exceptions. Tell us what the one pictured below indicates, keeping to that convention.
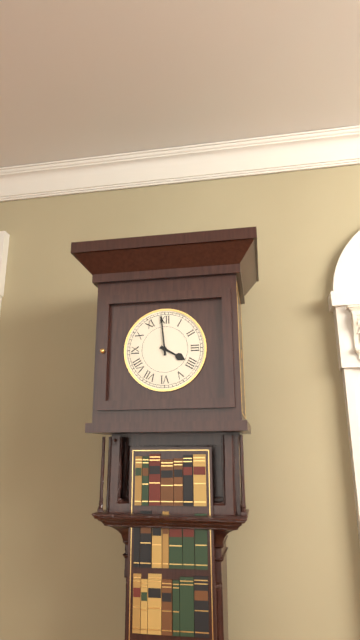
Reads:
3,59
